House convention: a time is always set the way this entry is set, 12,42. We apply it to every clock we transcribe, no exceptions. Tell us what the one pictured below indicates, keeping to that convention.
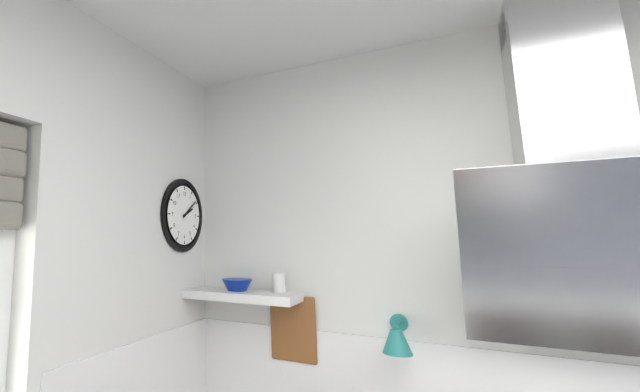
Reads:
2,09
